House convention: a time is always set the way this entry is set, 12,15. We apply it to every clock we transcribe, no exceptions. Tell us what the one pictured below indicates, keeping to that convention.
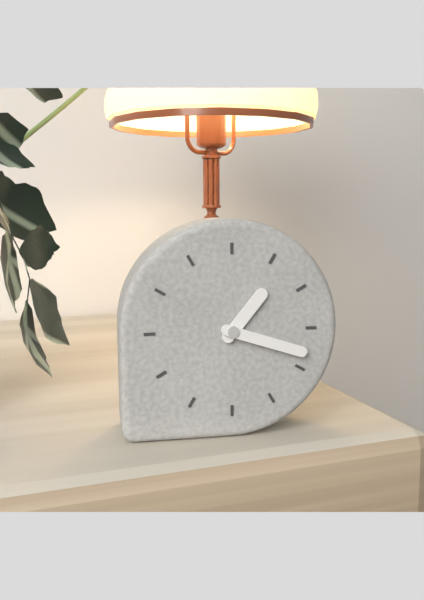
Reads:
1,18
